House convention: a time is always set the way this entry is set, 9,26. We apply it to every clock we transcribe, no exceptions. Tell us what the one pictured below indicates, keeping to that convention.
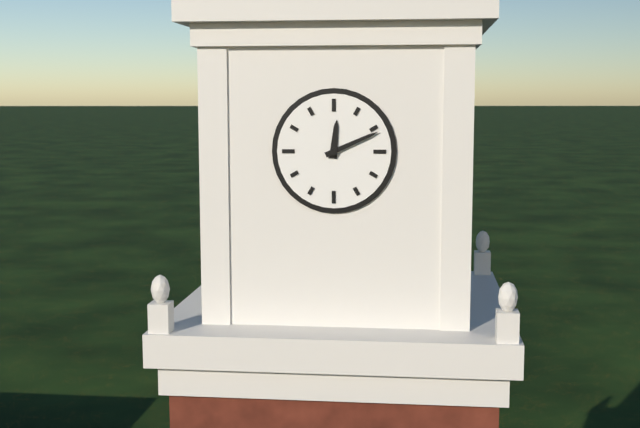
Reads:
12,11
